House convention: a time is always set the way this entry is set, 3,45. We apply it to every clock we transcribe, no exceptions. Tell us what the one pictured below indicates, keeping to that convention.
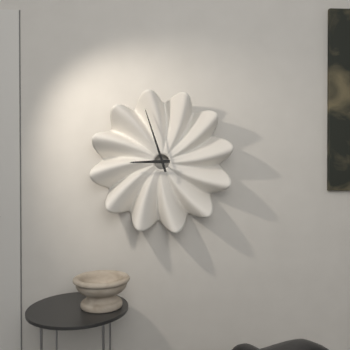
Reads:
8,57
